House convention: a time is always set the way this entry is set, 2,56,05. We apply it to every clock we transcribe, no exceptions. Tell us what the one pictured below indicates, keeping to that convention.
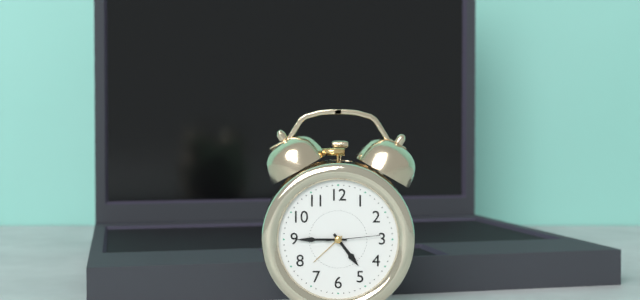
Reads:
4,45,14
